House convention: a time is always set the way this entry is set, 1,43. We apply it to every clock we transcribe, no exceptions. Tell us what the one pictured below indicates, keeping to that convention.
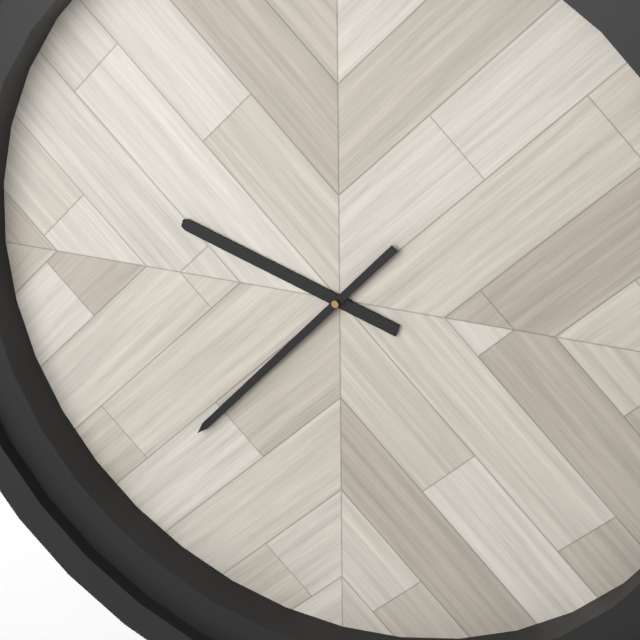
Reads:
9,37
